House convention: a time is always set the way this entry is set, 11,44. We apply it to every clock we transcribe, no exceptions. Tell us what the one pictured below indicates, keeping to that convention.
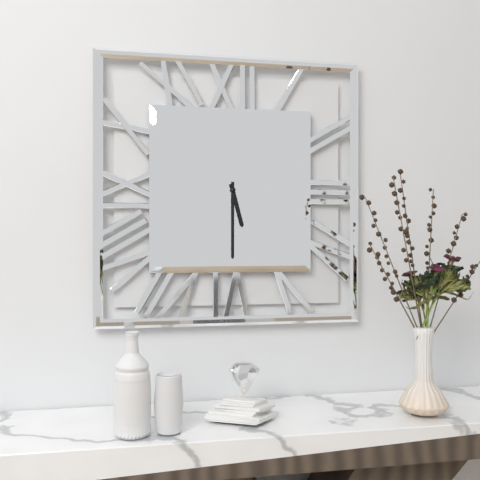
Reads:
5,30
